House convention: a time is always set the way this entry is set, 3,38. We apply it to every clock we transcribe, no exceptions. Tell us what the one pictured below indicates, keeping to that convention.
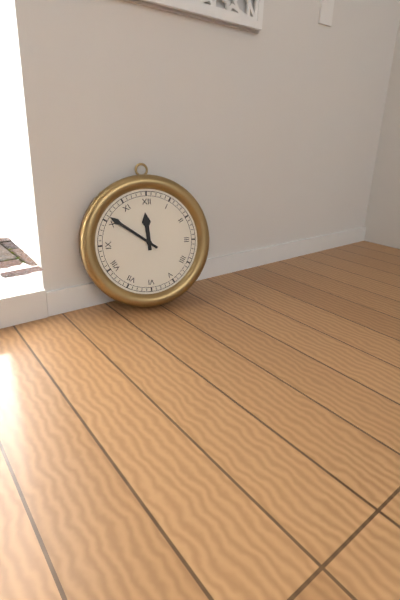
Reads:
11,51
